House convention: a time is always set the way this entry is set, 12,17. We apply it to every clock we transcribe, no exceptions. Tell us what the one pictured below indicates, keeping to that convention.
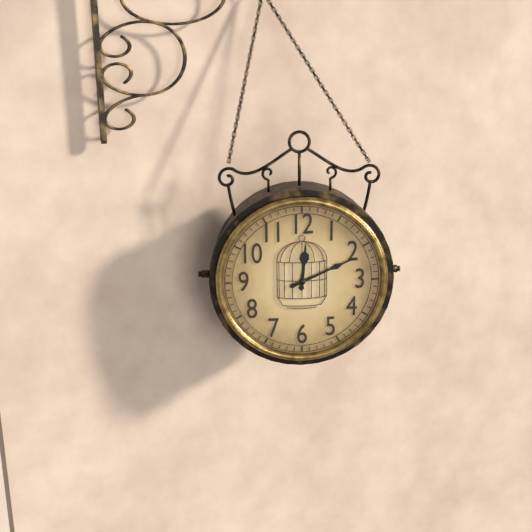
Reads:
12,11
